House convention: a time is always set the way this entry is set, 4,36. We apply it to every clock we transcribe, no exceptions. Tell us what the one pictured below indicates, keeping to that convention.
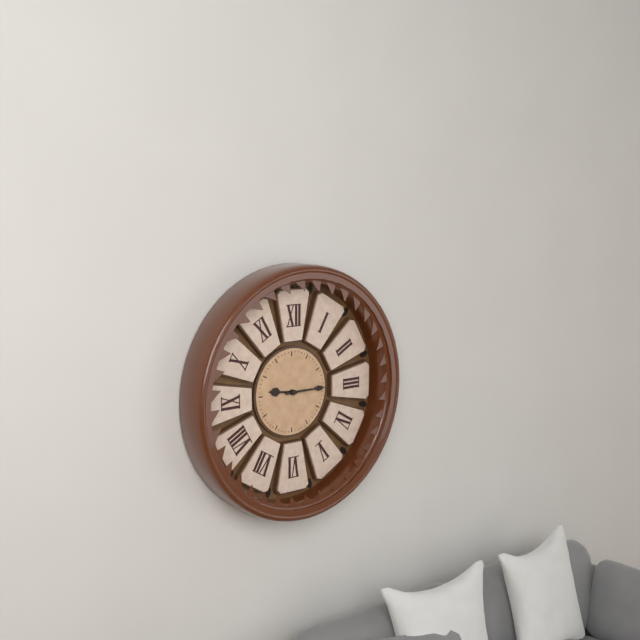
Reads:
9,15
